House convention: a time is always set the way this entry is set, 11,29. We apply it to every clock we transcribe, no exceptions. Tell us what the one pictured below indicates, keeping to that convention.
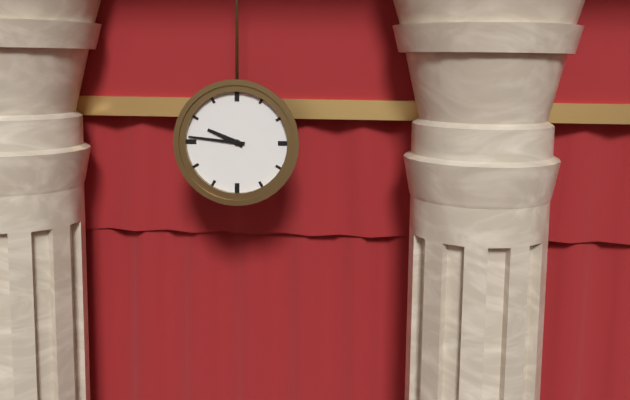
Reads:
9,46
